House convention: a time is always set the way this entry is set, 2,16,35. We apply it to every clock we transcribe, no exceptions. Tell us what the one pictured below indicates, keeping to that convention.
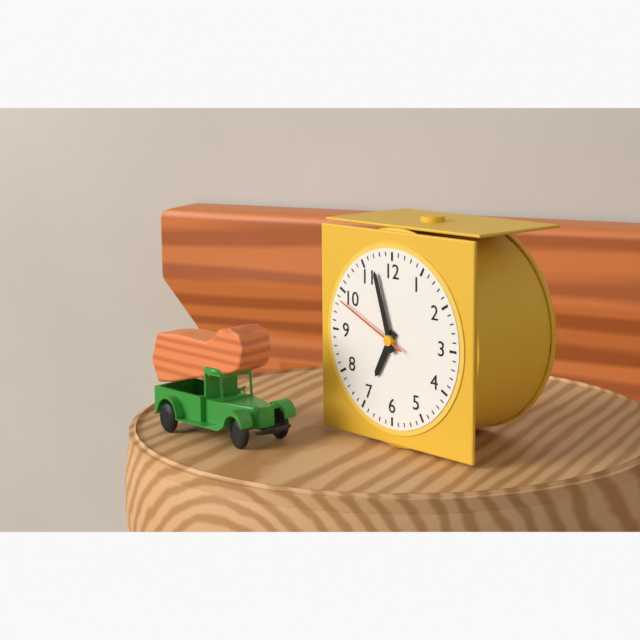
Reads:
6,57,49
